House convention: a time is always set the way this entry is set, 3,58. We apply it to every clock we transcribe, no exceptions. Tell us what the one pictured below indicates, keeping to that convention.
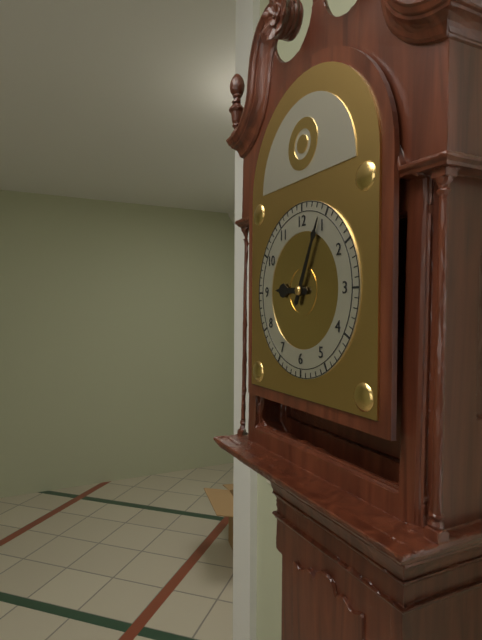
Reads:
9,04
